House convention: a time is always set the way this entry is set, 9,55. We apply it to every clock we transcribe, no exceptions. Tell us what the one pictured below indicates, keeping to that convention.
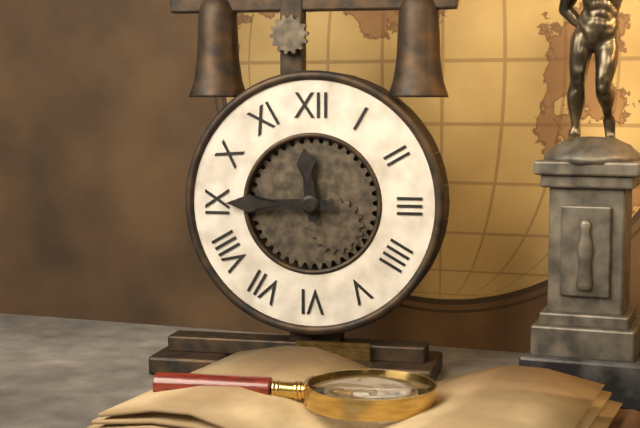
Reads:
11,45
